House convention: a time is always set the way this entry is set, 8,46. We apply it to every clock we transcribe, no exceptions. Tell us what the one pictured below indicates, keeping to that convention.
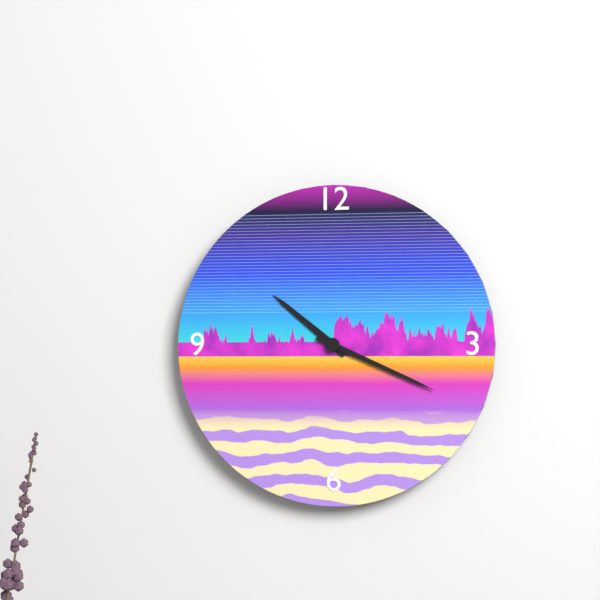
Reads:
10,19
